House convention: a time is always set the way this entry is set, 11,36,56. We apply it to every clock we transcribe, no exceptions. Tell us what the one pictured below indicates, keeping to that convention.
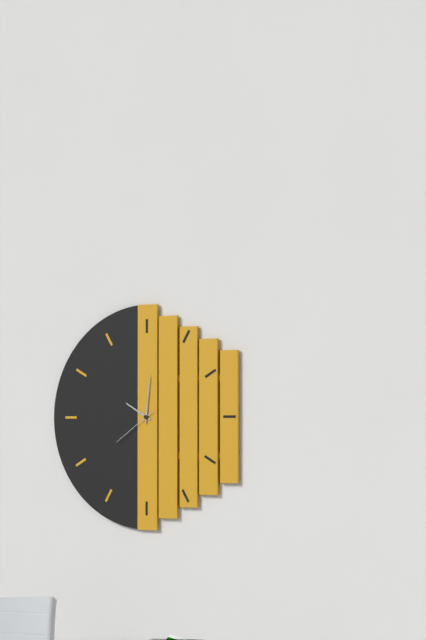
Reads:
10,01,39
